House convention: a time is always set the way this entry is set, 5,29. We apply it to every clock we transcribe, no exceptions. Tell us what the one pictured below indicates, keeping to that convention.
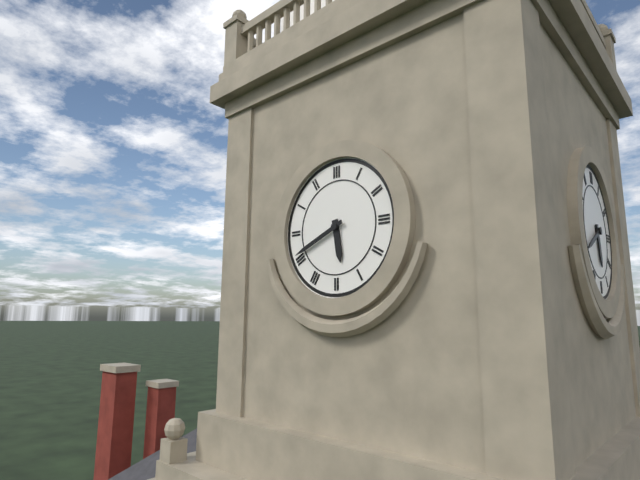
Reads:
5,41
